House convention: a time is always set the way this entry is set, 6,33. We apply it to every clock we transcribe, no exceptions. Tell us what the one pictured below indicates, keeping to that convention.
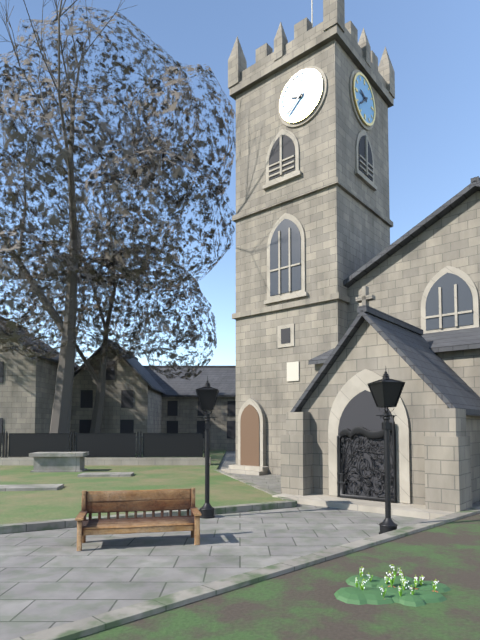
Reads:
9,38
